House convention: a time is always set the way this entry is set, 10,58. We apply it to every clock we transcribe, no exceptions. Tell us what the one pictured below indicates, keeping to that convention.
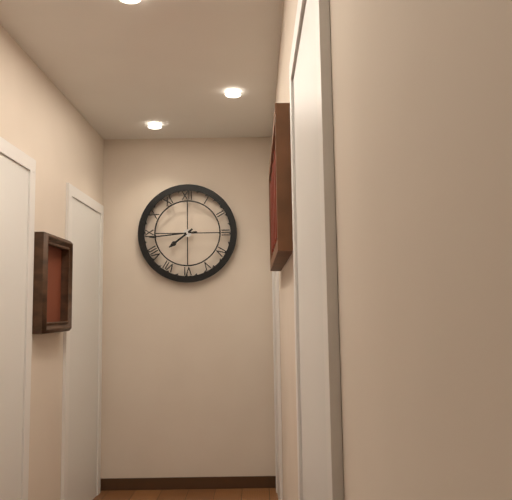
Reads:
7,44
